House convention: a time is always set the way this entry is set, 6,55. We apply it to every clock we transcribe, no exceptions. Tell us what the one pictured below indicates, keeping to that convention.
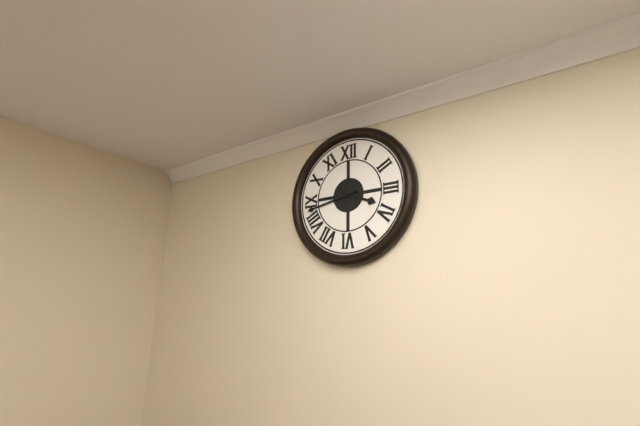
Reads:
3,43
